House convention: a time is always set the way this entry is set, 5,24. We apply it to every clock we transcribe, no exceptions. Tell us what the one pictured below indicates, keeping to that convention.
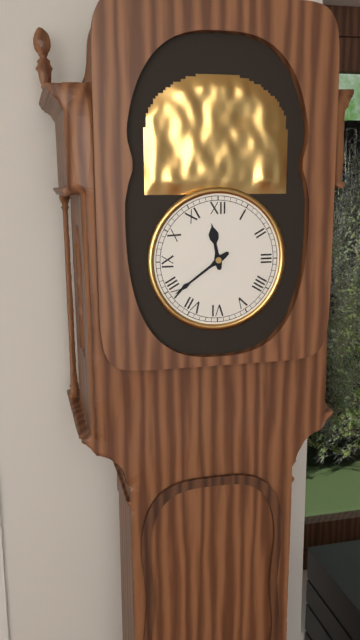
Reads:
11,39
